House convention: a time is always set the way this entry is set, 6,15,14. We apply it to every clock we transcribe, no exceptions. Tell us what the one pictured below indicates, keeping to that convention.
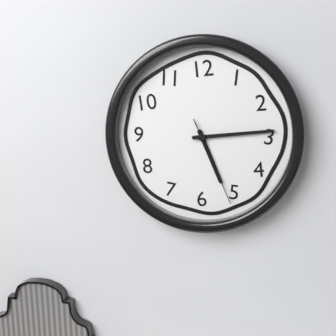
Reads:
5,14,26
